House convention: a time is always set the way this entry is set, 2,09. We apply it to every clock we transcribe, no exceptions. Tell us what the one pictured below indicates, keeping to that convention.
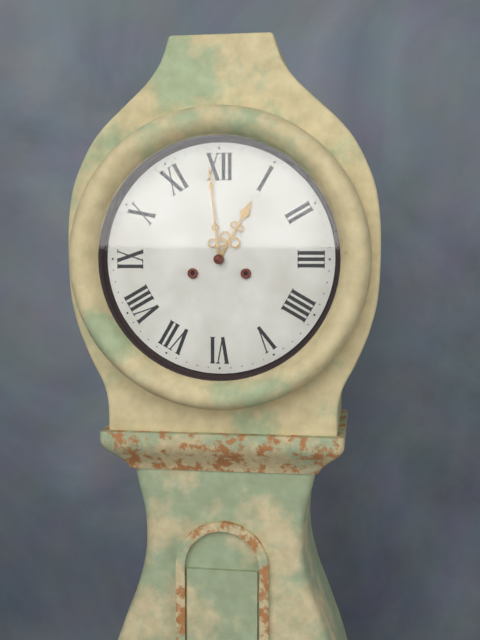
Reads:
12,59
